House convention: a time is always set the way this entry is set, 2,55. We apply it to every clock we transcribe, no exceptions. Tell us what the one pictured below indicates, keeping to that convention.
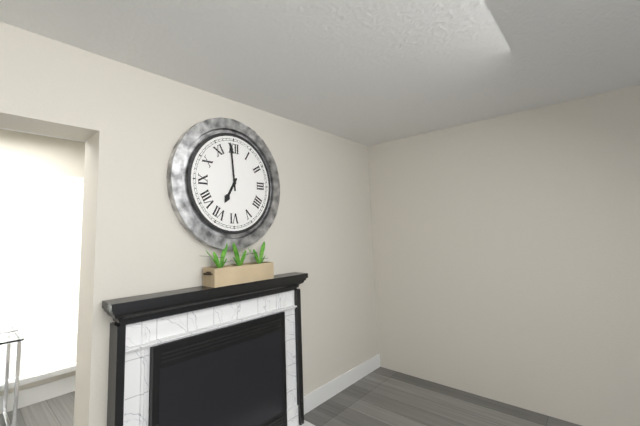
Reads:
6,59
